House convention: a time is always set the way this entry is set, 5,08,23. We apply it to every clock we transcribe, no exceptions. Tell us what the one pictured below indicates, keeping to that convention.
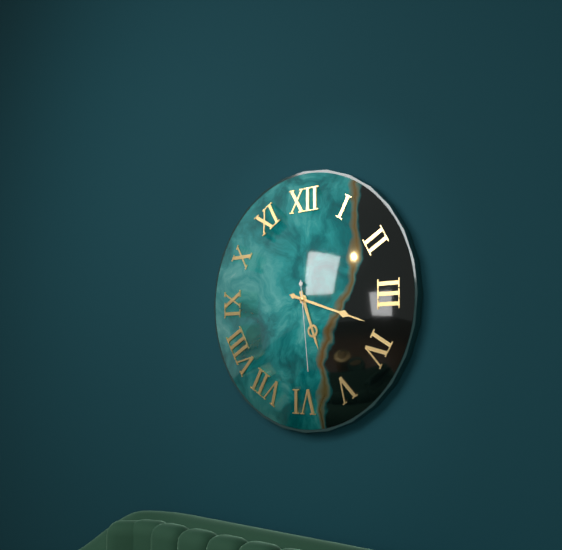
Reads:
5,18,29
